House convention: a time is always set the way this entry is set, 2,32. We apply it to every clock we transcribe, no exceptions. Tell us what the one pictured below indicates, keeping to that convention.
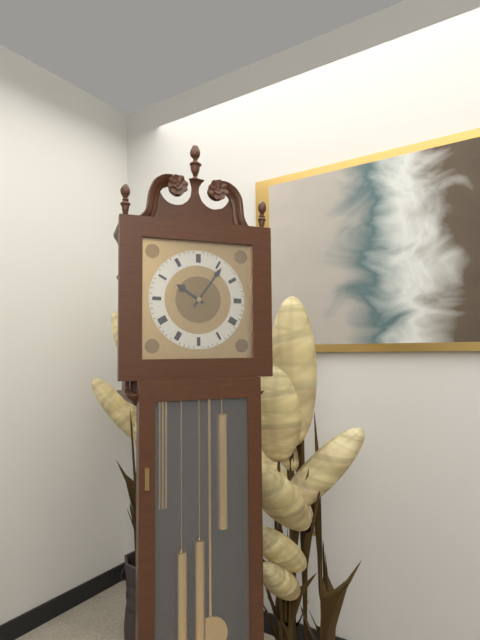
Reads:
10,06
